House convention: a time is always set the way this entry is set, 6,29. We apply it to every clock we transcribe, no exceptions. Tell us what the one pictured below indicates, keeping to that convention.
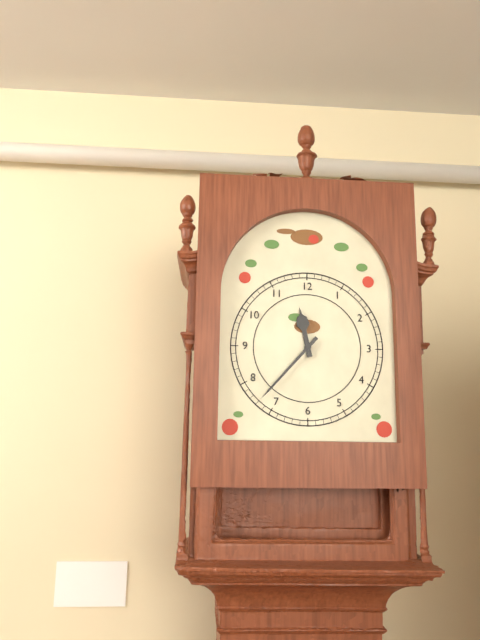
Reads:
11,37
